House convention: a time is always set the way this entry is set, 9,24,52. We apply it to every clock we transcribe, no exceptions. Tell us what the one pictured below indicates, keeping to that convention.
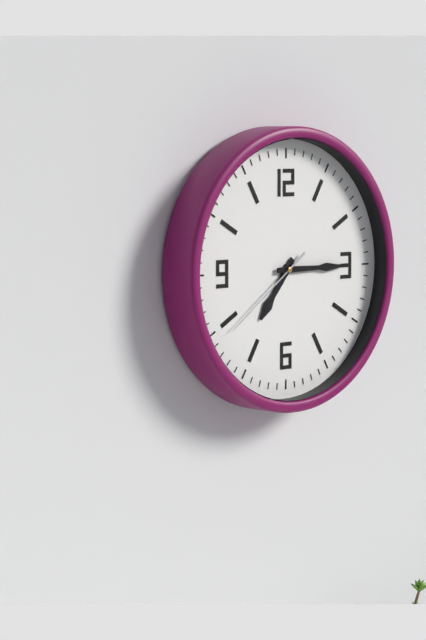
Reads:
7,15,39
